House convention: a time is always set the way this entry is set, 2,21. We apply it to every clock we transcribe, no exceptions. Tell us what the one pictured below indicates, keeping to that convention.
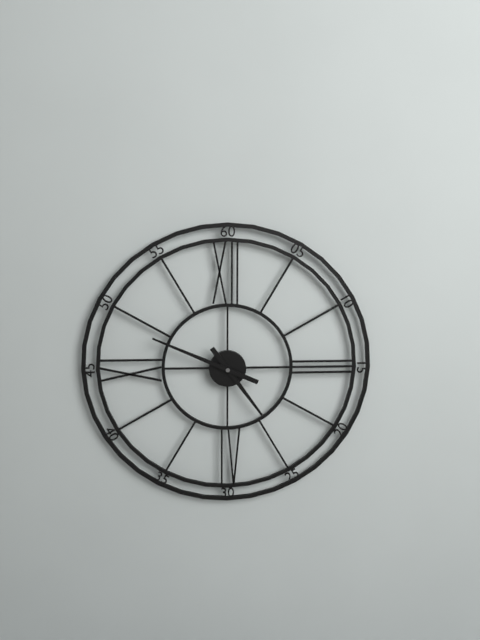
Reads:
4,49
